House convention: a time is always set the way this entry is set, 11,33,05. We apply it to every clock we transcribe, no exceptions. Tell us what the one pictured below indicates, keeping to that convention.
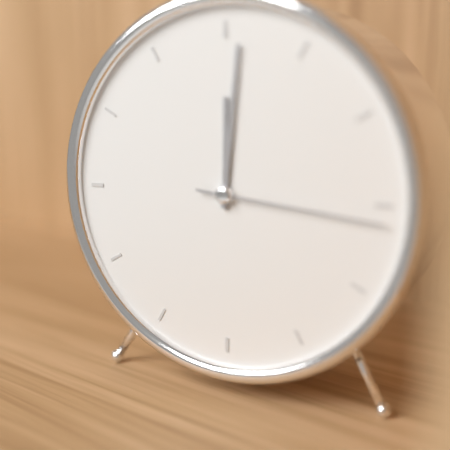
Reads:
12,01,16
